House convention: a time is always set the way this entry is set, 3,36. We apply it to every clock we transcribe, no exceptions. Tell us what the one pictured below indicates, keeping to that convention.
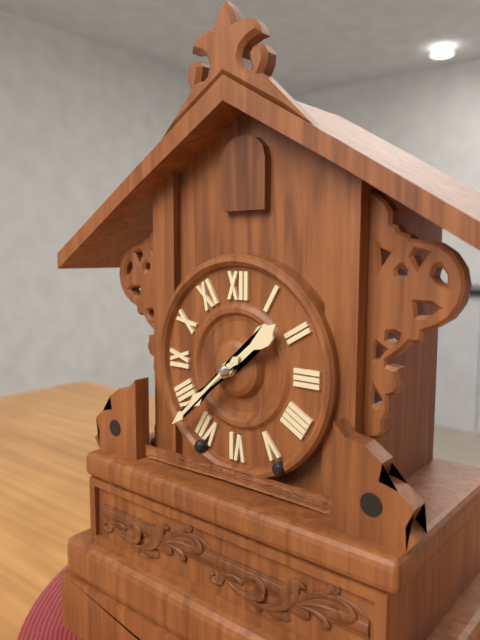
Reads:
1,38
